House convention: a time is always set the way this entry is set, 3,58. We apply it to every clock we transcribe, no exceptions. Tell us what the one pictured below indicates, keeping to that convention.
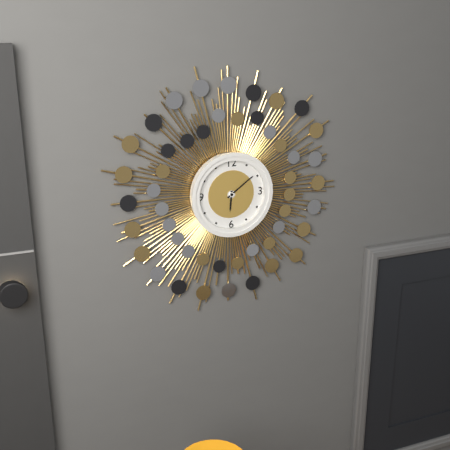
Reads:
6,09
